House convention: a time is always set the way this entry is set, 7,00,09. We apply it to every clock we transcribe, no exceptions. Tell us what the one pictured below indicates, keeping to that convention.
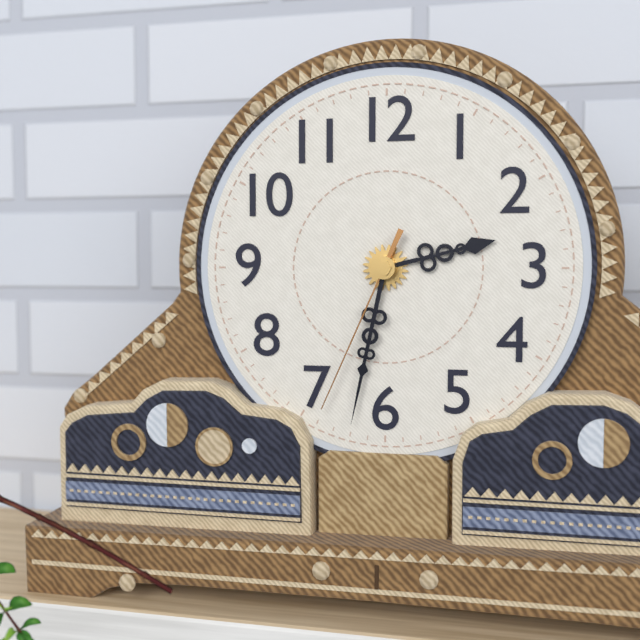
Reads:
2,32,34
